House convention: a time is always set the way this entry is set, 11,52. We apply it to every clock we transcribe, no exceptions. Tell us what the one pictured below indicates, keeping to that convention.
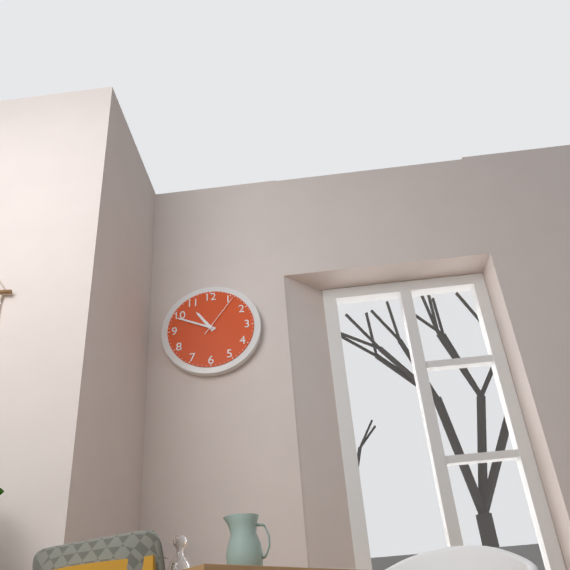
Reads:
10,49
